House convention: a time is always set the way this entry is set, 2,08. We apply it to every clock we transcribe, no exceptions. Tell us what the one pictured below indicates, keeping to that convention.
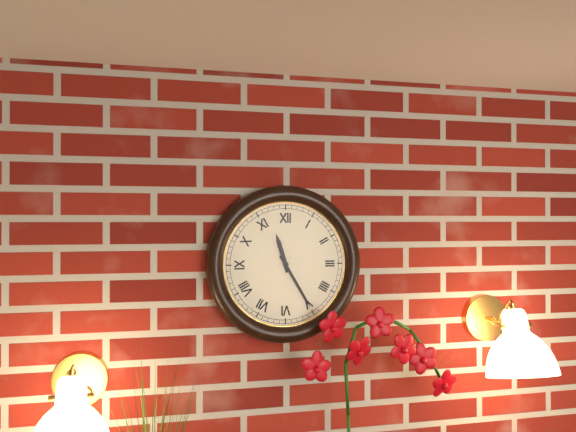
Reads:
11,25
